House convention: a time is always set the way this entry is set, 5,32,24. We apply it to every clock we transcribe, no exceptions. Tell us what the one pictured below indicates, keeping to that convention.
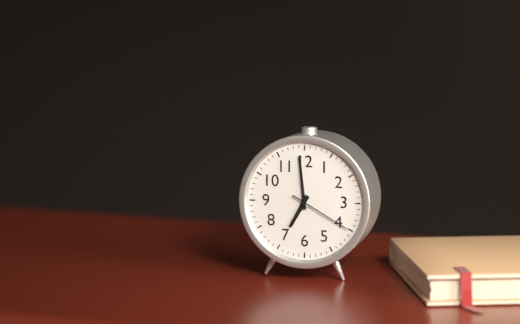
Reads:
6,59,20
